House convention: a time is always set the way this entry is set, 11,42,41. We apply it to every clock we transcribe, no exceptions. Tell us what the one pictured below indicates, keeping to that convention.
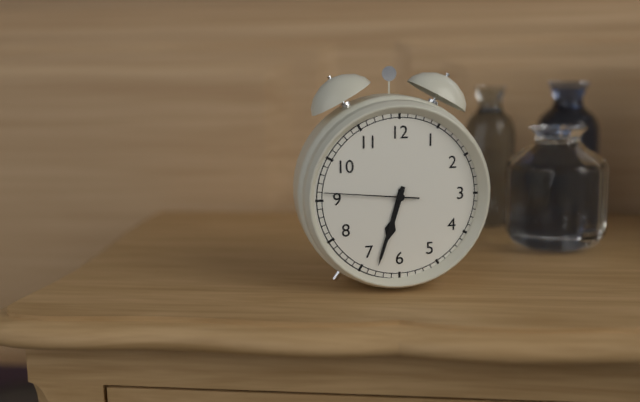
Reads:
6,33,46
